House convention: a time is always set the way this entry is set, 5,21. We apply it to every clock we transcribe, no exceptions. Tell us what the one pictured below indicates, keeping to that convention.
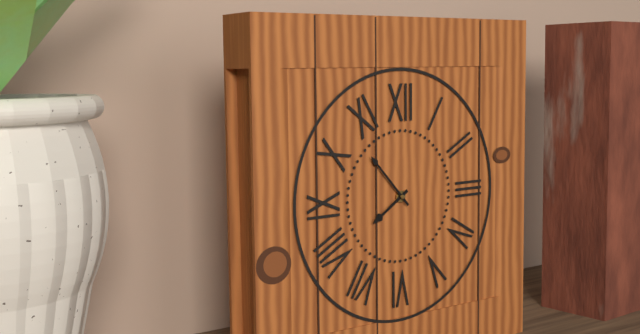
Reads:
7,53
